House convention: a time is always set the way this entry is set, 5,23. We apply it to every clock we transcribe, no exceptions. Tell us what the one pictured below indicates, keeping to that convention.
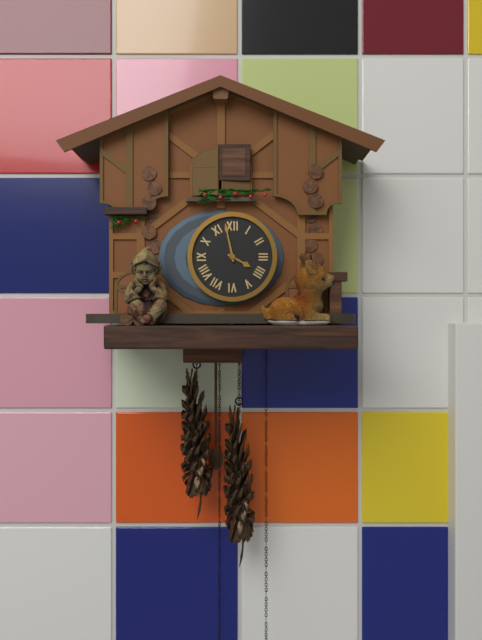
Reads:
3,58
